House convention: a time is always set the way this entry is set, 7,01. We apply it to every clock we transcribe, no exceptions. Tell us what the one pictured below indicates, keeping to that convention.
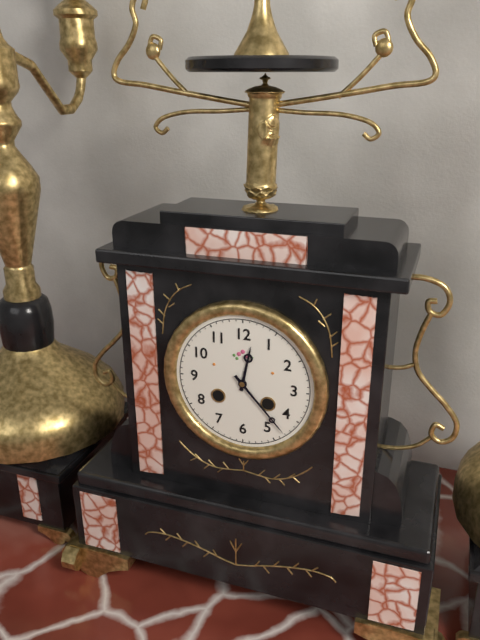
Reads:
12,23
